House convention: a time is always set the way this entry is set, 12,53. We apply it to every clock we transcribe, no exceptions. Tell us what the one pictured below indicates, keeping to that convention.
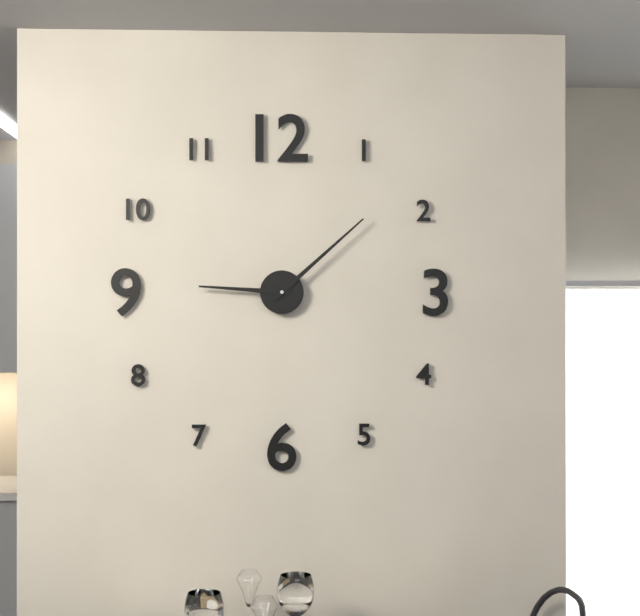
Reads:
9,08
